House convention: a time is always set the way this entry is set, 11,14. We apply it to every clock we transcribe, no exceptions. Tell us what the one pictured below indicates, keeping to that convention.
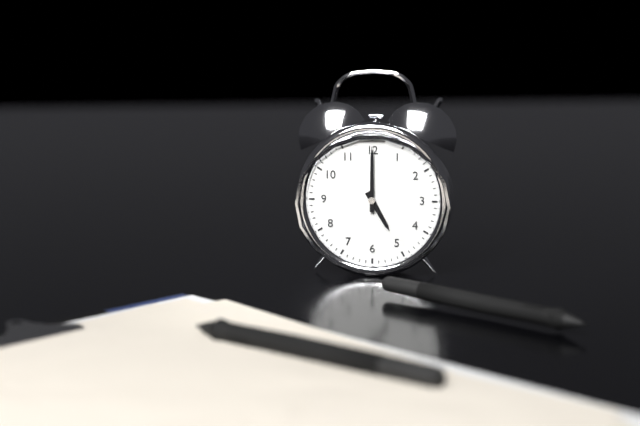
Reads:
5,00
